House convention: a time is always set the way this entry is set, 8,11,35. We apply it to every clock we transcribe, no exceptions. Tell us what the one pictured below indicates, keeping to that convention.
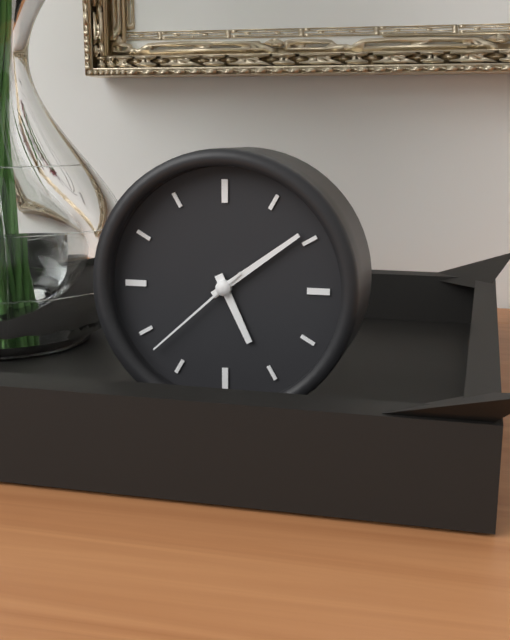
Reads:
5,09,38
